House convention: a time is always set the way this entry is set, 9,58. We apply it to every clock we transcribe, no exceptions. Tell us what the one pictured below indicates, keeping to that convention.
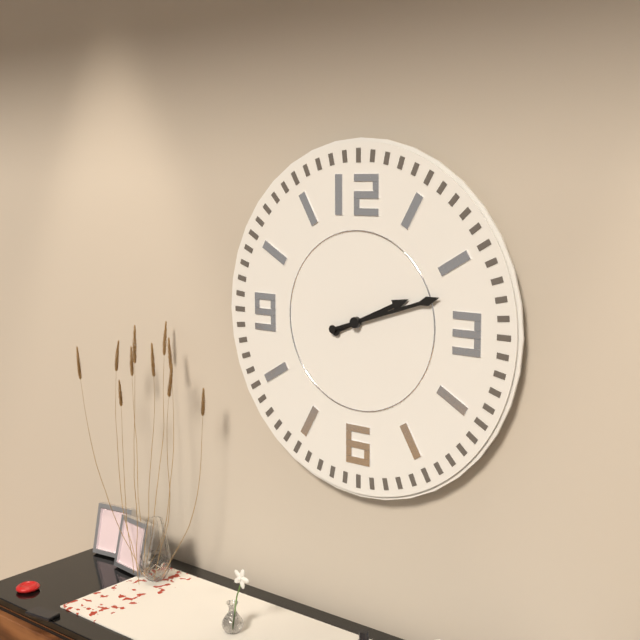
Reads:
2,12
